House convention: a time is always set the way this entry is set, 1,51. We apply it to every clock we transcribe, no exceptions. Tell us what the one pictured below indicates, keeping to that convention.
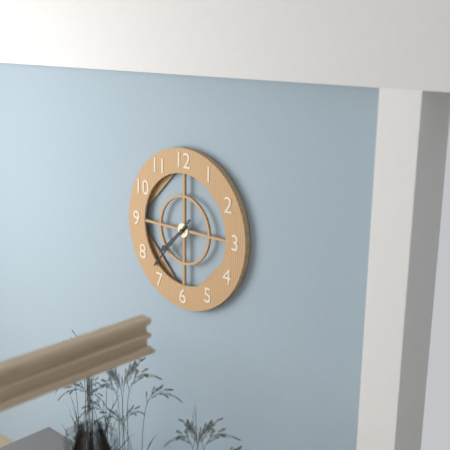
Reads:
7,37
